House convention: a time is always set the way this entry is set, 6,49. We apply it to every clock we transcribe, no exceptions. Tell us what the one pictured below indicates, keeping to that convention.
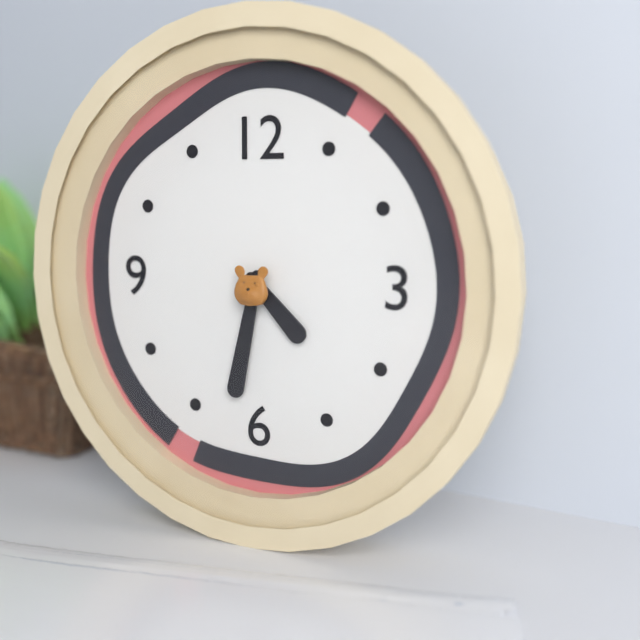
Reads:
4,32
